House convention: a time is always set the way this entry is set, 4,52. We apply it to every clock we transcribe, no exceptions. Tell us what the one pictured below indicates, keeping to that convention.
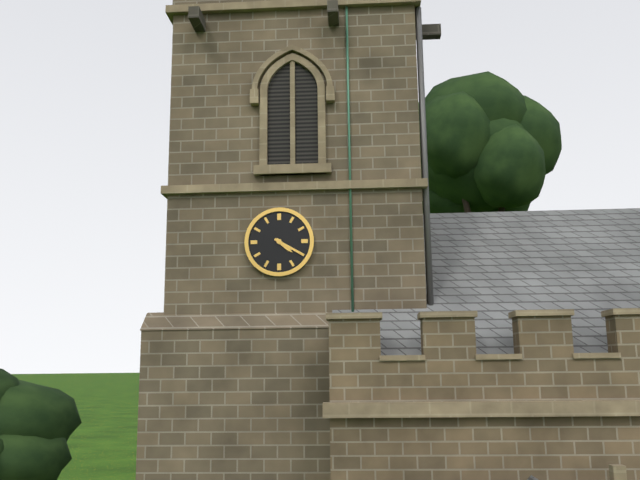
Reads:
4,20
